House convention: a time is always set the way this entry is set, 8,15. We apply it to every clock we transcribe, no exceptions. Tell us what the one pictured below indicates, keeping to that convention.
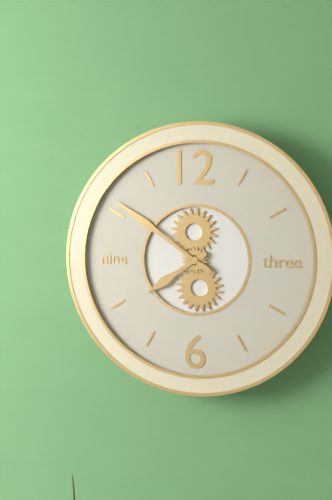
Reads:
7,51
